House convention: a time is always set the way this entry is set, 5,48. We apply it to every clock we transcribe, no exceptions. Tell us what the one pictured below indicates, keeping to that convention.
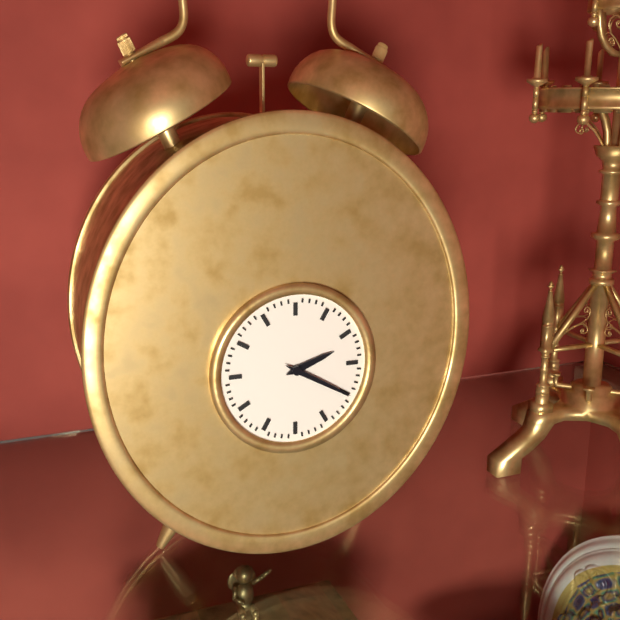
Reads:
2,20
